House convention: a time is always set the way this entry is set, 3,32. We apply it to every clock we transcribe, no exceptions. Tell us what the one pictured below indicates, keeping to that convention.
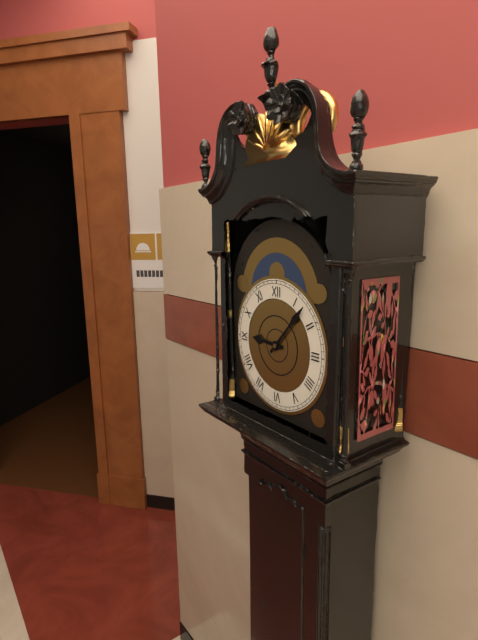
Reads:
9,07
